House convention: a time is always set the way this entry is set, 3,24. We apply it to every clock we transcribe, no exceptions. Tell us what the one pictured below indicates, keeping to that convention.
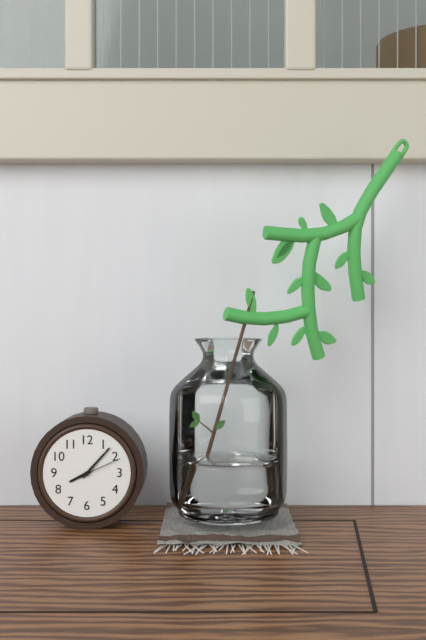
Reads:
8,07
